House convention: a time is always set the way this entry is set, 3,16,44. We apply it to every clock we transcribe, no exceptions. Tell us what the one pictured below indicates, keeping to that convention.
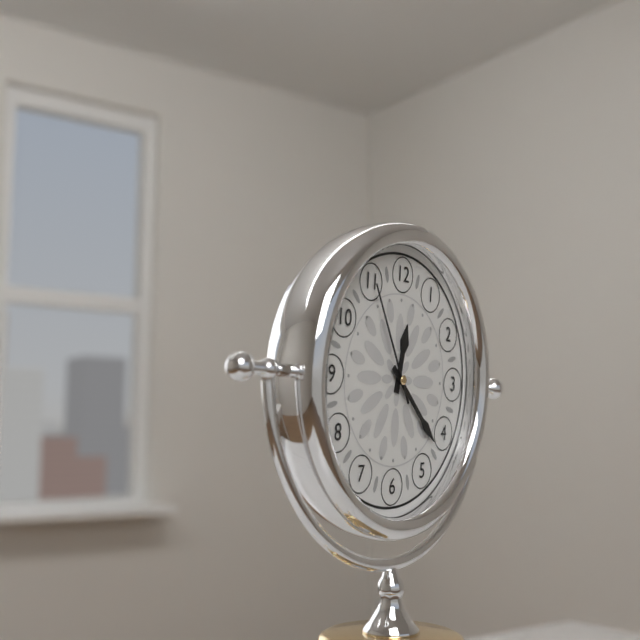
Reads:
12,22,55
